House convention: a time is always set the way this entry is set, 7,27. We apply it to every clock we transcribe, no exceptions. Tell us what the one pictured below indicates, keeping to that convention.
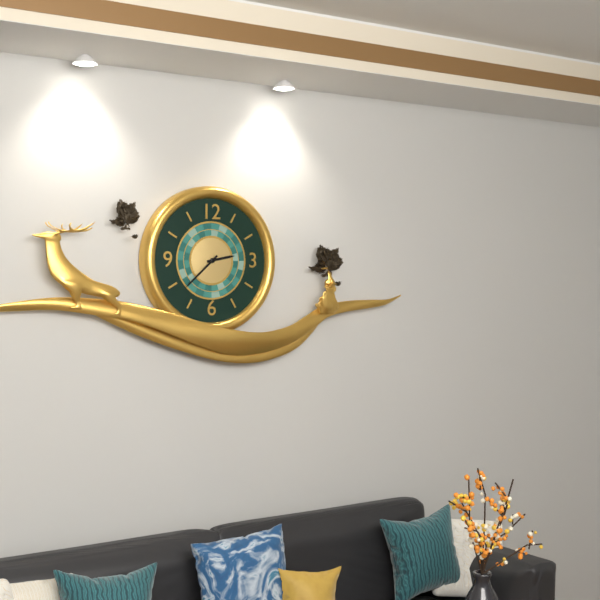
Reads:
2,38
